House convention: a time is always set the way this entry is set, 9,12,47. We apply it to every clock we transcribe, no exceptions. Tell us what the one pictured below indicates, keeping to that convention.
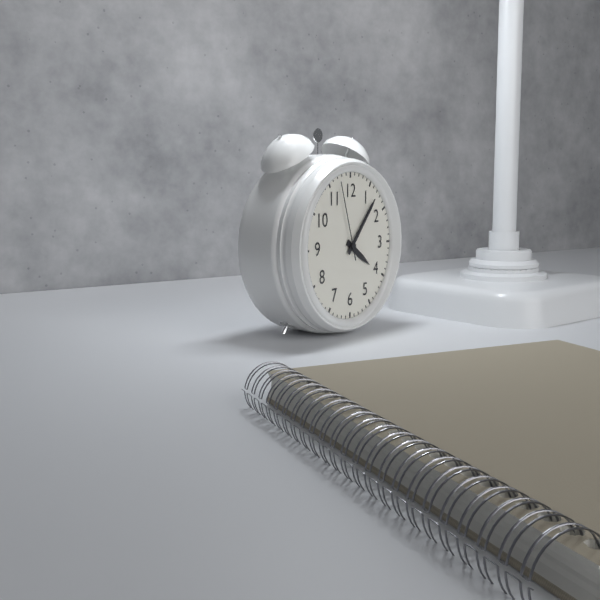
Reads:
4,07,57
